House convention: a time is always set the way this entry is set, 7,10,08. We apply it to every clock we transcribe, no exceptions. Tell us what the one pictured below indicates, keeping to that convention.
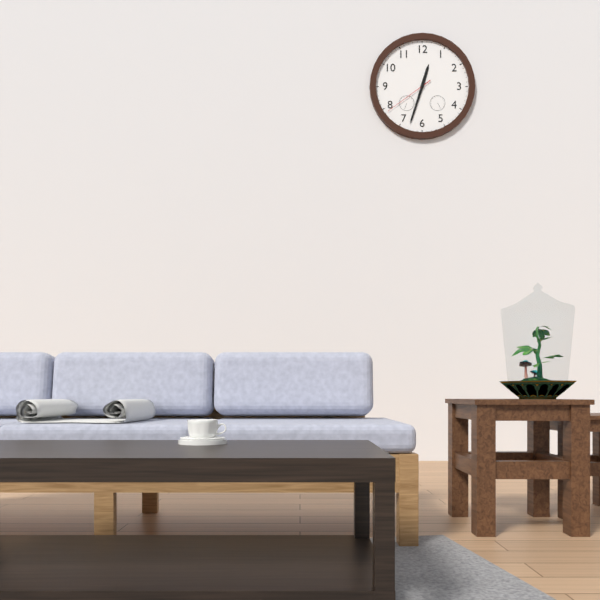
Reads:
12,33,39
